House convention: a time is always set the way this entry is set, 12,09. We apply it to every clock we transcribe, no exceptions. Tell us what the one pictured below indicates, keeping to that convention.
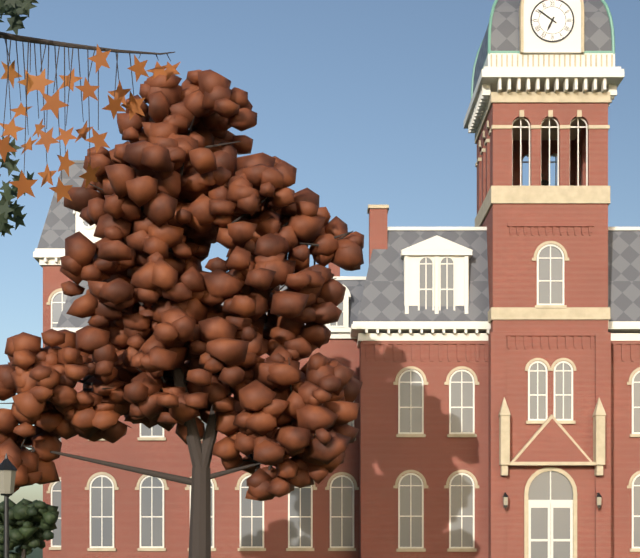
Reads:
6,51
